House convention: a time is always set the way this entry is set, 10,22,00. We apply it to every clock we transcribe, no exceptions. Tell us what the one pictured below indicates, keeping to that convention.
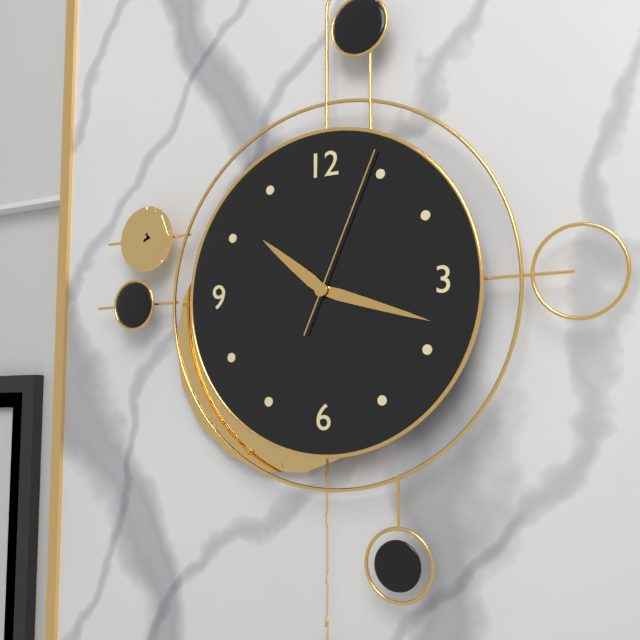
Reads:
10,18,04
